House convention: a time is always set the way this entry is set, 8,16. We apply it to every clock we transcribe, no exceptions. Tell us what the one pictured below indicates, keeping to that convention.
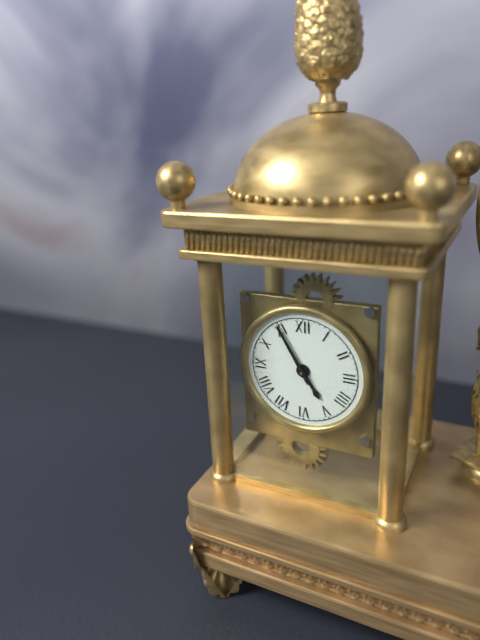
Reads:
4,55
